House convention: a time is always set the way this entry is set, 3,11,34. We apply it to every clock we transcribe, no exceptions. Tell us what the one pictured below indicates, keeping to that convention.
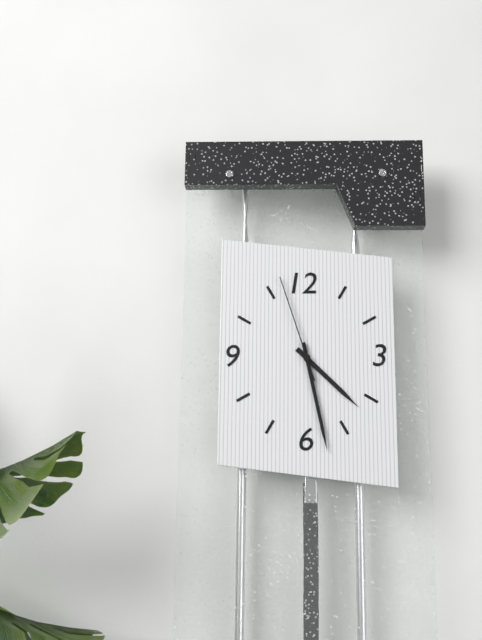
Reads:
4,28,57
